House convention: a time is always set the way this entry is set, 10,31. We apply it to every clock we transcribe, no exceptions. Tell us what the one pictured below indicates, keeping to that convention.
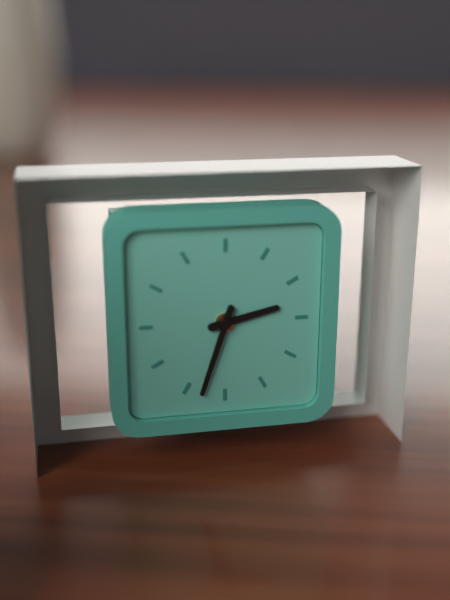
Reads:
2,33
